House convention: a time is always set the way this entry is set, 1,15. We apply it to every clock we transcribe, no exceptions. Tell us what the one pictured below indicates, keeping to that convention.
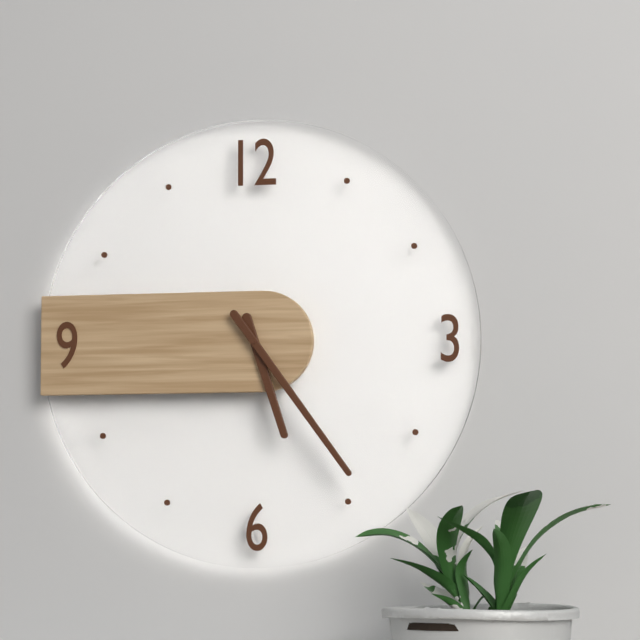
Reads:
5,24
